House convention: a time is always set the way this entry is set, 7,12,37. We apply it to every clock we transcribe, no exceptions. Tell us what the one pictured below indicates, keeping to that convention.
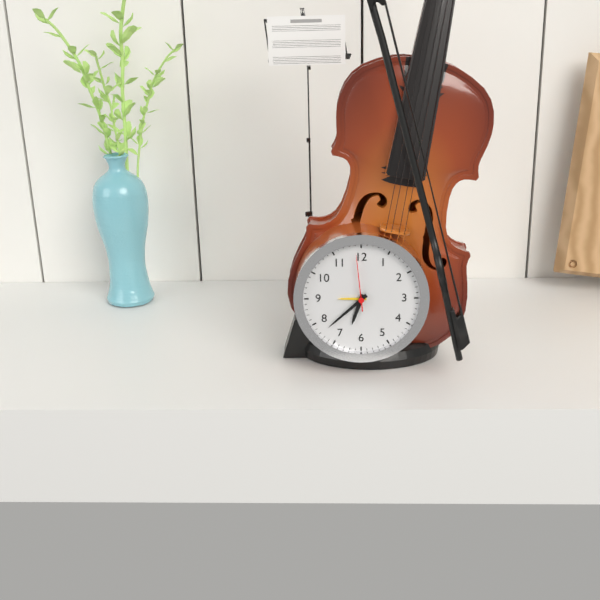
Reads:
6,38,59
